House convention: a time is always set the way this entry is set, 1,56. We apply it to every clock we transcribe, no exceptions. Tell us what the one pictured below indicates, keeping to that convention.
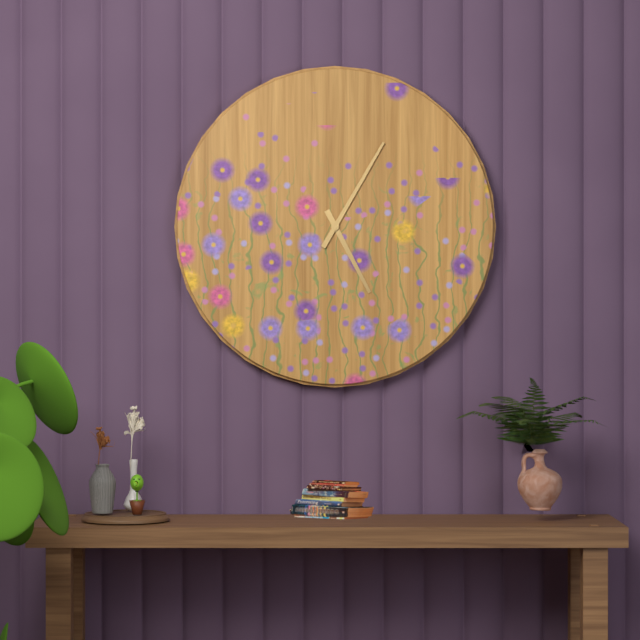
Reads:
5,05
